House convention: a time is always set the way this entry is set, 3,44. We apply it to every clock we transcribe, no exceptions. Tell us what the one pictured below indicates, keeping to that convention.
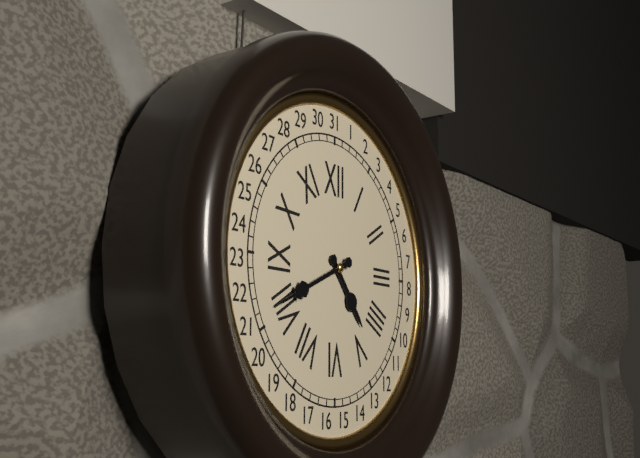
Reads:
4,41
